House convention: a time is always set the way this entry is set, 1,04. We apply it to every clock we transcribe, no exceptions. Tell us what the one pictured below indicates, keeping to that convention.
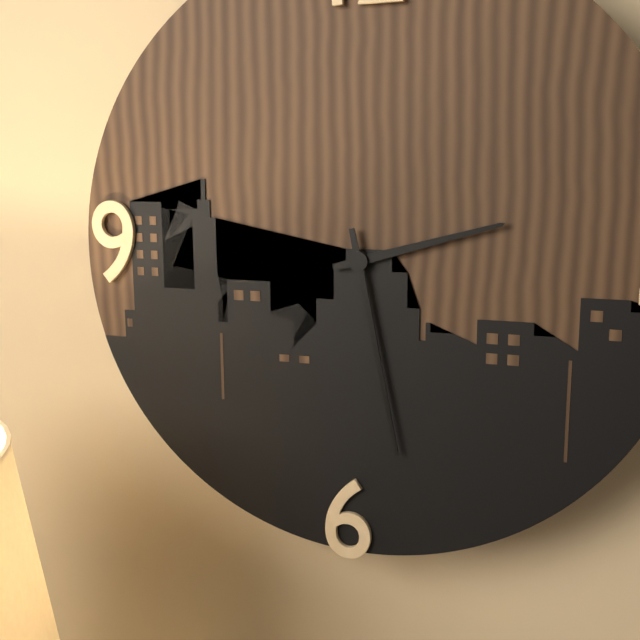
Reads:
2,28
